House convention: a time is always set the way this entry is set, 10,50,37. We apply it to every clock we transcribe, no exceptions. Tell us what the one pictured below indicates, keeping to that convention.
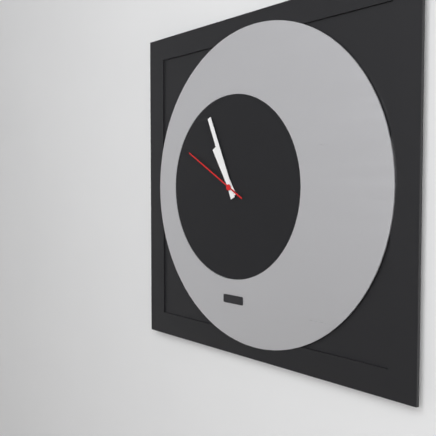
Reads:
10,56,50
